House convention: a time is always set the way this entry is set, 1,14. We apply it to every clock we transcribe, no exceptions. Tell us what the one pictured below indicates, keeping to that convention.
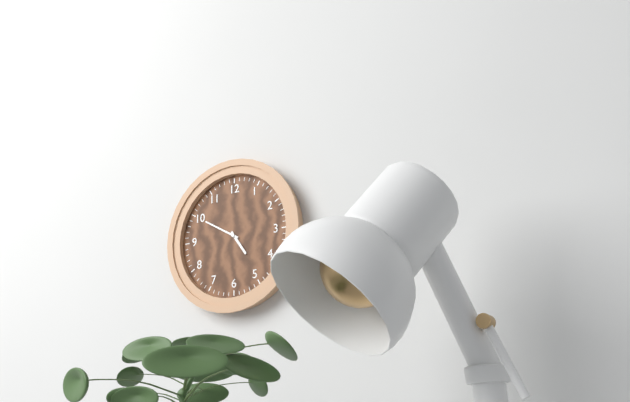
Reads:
4,50
